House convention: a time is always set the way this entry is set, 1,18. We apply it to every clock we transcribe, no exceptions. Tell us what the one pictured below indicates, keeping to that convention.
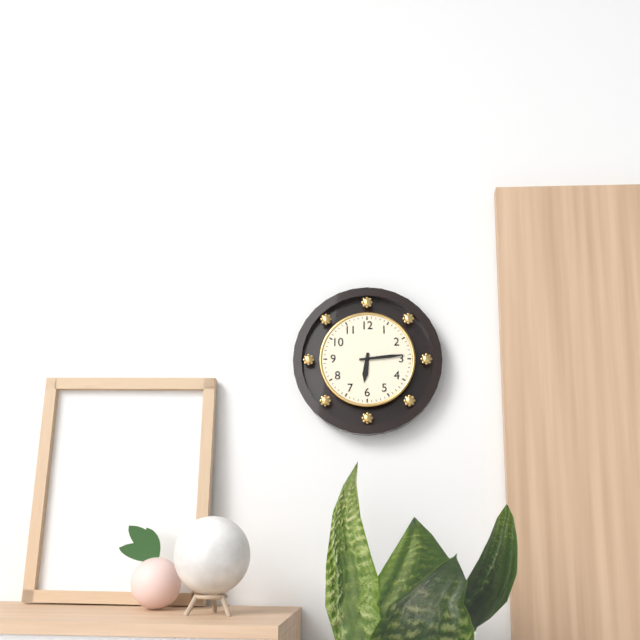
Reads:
6,14
